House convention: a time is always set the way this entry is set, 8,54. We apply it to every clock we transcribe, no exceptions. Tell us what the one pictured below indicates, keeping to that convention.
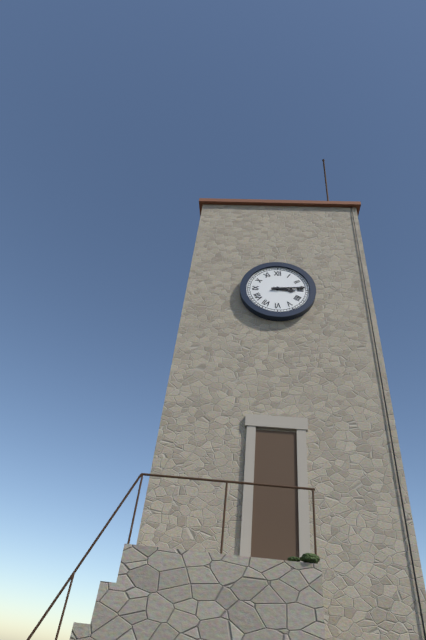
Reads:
3,14
